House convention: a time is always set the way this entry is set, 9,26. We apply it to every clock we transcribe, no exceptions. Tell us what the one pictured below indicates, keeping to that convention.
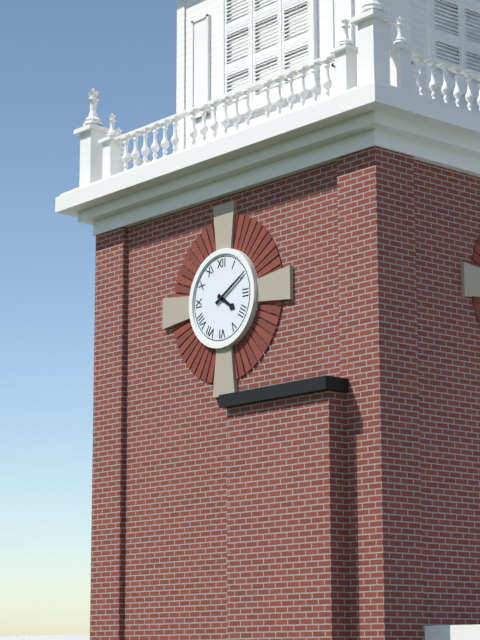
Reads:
4,10
